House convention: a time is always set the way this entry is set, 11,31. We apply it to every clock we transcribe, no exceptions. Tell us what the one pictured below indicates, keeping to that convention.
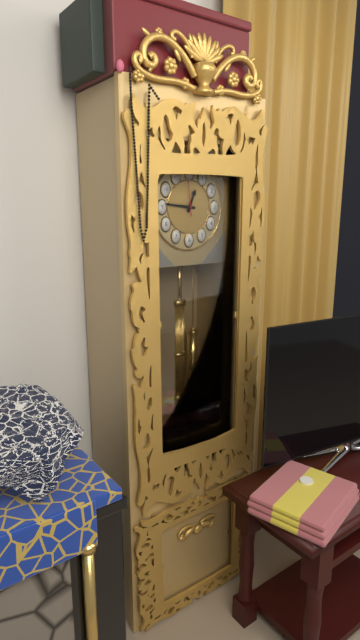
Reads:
12,46
